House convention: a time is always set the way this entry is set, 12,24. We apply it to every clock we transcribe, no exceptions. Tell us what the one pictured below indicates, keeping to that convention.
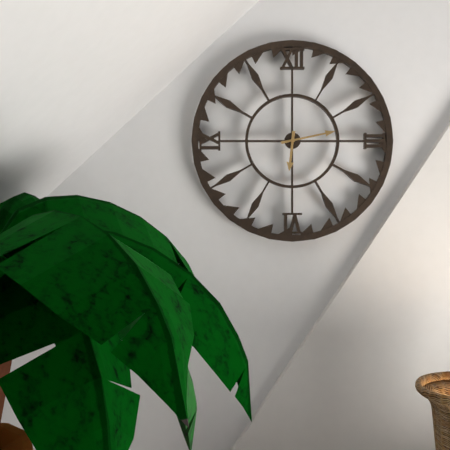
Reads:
6,13
